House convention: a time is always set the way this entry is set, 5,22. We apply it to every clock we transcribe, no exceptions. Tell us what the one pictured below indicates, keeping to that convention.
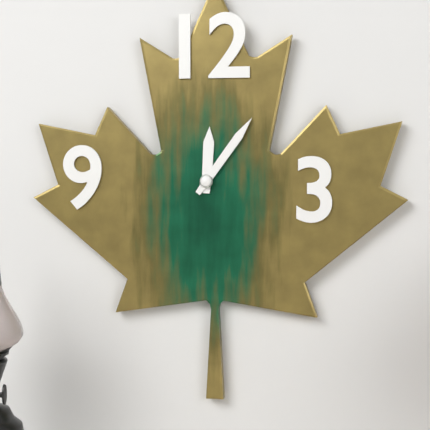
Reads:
12,06
